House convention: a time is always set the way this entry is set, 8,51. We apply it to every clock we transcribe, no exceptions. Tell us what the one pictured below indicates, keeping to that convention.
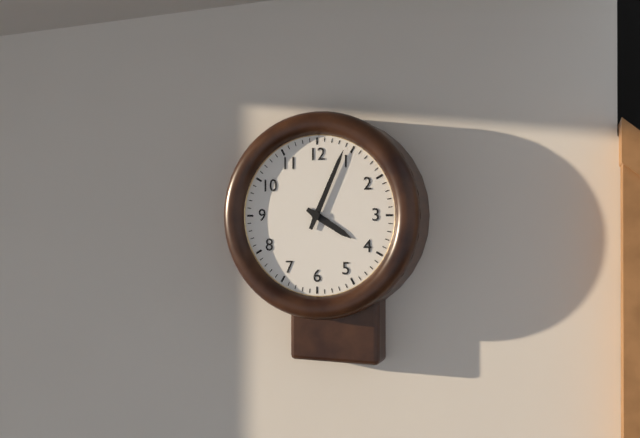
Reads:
4,04
